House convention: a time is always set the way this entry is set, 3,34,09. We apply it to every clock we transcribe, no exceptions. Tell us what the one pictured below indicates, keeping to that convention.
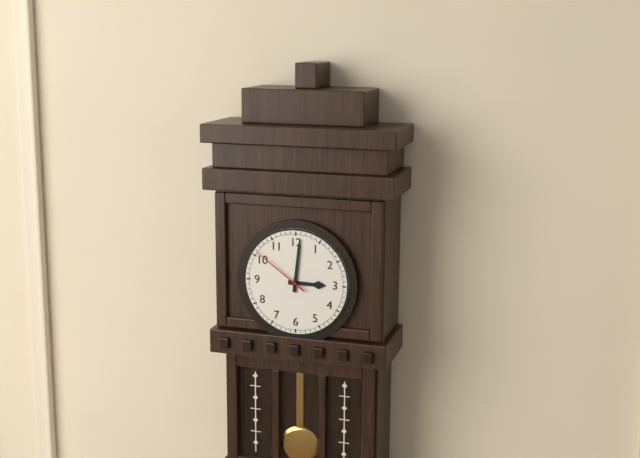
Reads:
3,01,51
